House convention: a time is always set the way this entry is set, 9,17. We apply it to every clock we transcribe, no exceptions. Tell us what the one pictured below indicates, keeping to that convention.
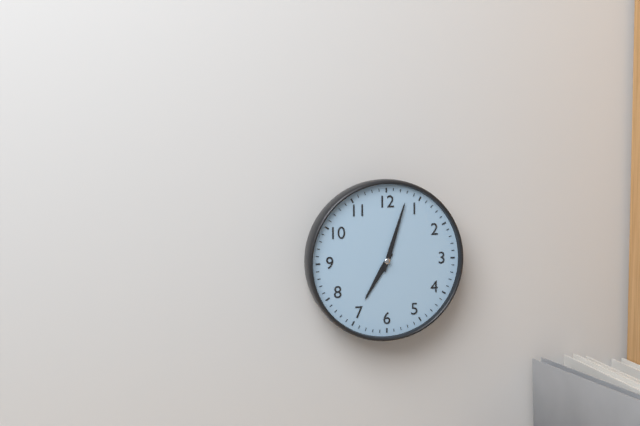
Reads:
7,03
